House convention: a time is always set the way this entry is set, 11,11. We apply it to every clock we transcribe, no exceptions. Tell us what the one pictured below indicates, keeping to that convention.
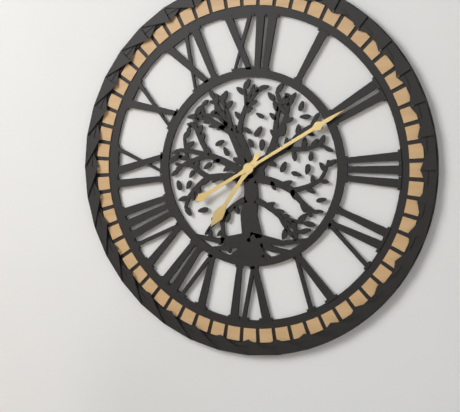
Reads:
7,10
